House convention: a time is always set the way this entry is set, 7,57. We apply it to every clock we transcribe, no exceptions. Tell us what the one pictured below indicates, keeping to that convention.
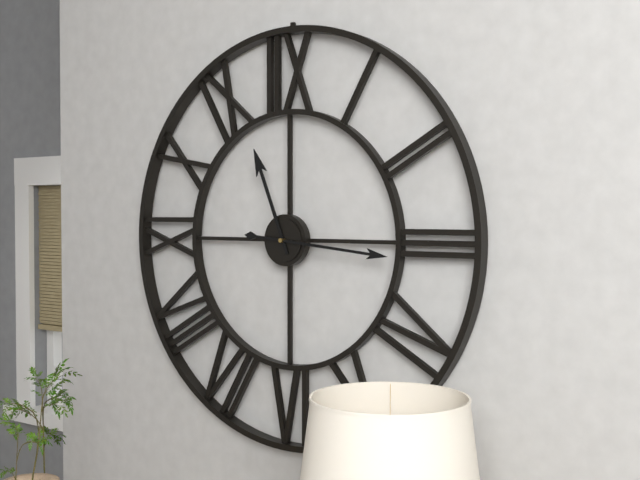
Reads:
11,16
